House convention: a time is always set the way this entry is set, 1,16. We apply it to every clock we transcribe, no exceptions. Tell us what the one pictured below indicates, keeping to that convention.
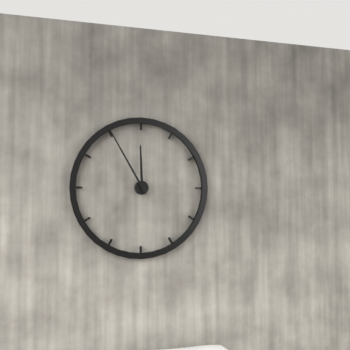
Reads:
11,55
